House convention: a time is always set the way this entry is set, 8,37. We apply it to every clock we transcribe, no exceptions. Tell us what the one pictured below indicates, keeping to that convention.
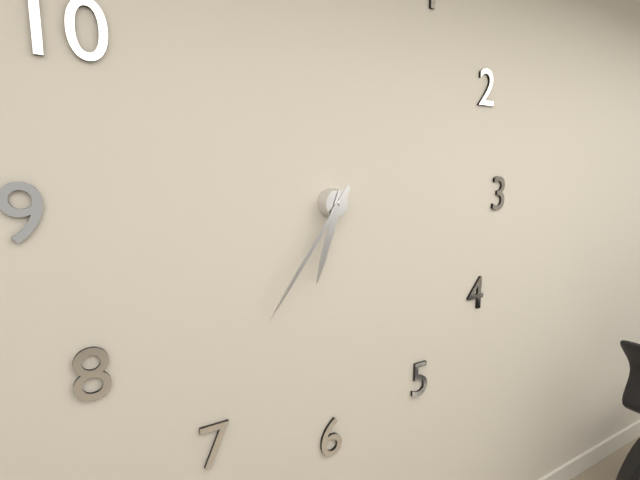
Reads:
6,36
